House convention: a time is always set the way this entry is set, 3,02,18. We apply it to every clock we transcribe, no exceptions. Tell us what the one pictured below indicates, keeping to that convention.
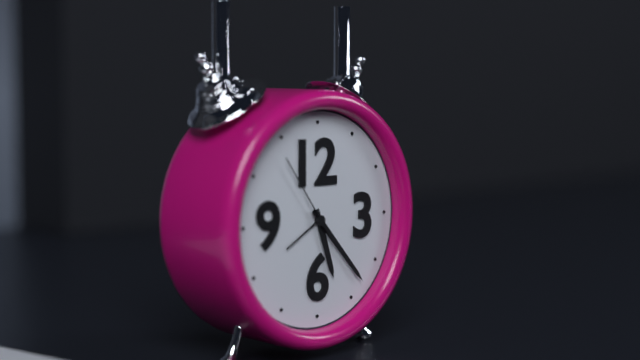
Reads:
5,23,54
